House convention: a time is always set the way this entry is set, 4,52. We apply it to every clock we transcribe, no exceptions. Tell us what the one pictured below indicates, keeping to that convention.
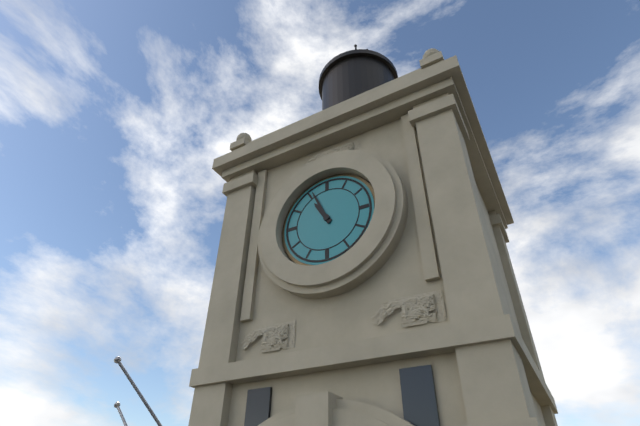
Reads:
10,56
